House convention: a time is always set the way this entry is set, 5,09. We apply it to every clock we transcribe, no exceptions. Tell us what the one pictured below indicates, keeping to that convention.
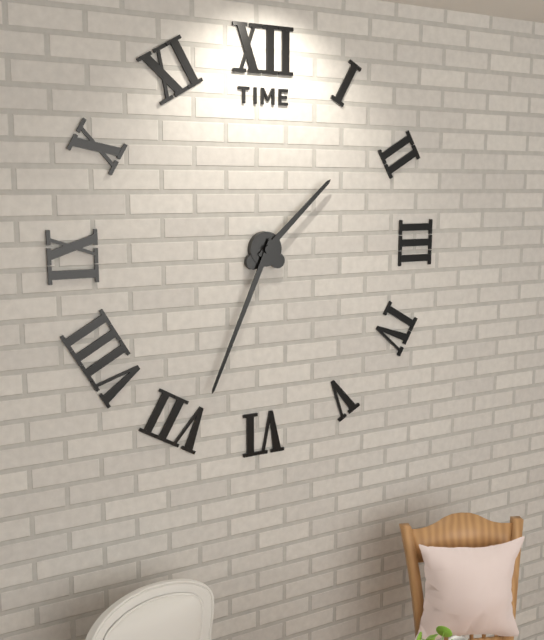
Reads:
1,34
